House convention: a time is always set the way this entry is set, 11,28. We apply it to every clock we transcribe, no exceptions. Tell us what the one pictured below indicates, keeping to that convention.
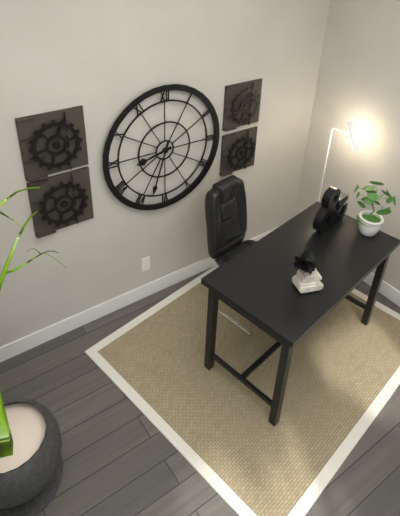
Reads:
8,33
